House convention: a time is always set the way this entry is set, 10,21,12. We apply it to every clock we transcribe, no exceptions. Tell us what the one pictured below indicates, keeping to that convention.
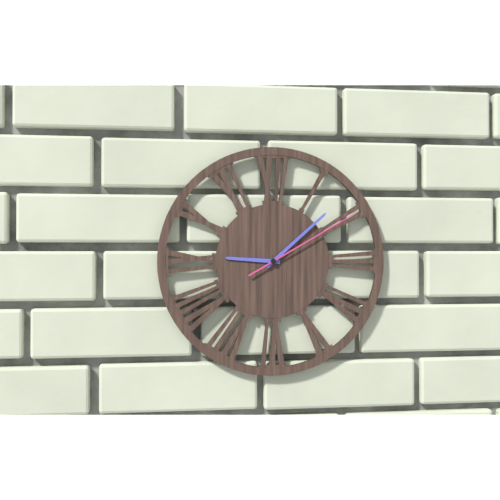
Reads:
9,08,10
